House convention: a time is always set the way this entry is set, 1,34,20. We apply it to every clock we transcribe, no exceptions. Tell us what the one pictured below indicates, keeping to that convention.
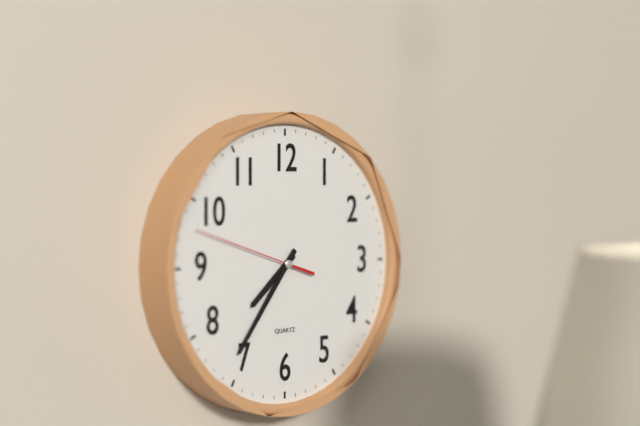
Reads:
7,36,48
